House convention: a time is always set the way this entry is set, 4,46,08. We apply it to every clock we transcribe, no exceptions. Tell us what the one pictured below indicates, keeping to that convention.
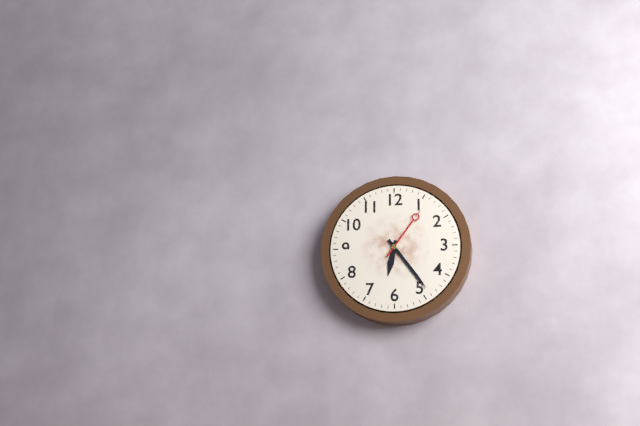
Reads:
6,24,06
